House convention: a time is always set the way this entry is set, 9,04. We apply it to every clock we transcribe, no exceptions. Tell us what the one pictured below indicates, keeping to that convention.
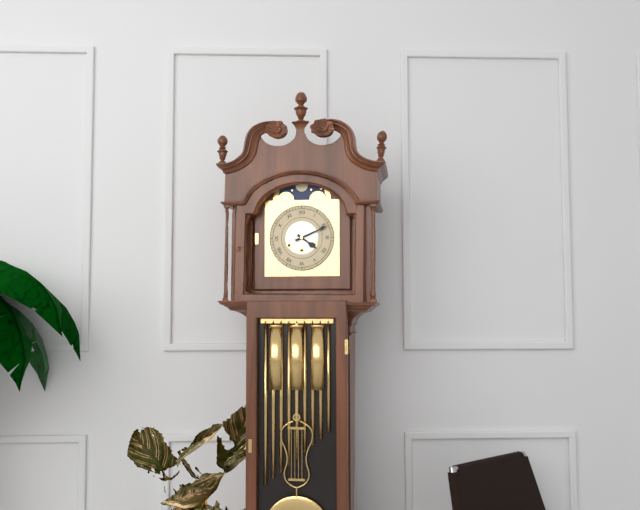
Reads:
4,11
